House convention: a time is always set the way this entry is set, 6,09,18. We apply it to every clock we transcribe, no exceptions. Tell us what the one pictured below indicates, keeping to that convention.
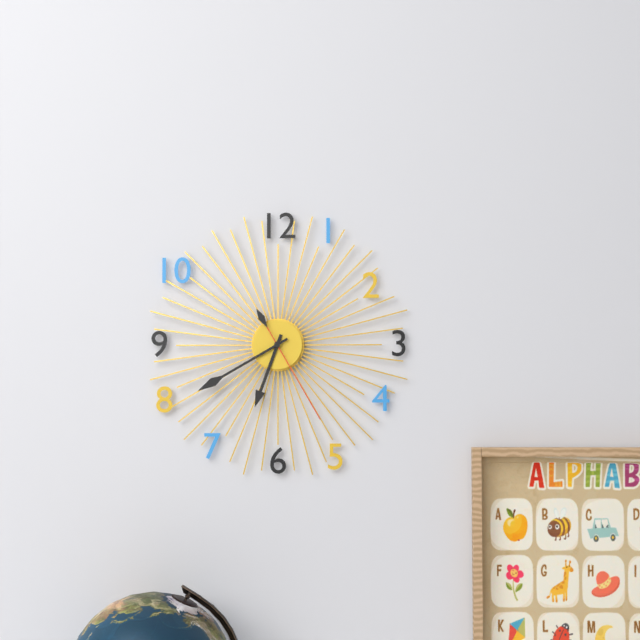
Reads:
6,40,25
